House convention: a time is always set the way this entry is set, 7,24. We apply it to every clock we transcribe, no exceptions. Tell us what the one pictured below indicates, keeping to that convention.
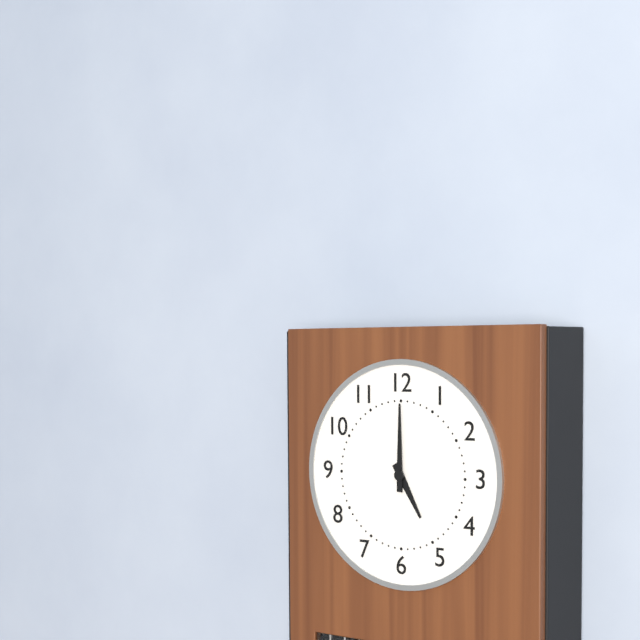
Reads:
5,00
